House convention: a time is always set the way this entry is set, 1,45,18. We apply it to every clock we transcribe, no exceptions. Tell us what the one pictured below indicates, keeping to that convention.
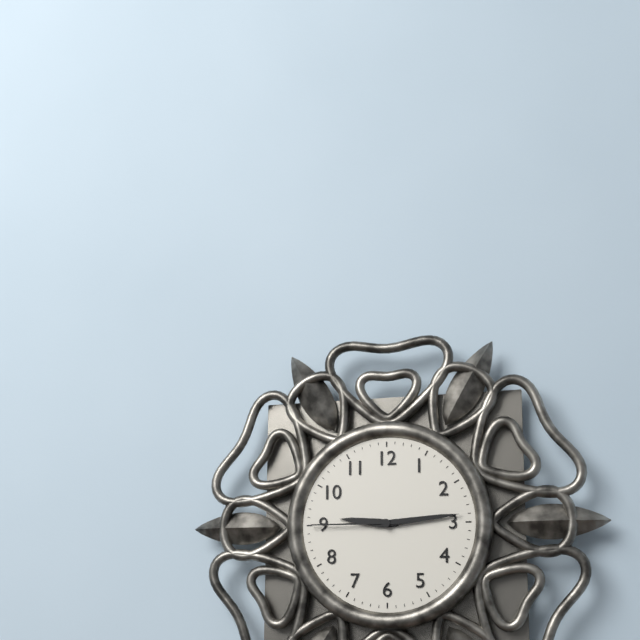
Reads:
9,14,45
